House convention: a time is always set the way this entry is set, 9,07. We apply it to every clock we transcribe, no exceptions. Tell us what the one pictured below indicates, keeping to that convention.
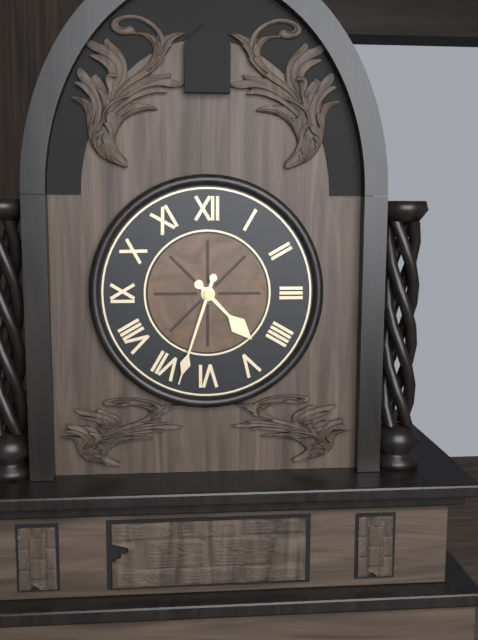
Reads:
4,33
